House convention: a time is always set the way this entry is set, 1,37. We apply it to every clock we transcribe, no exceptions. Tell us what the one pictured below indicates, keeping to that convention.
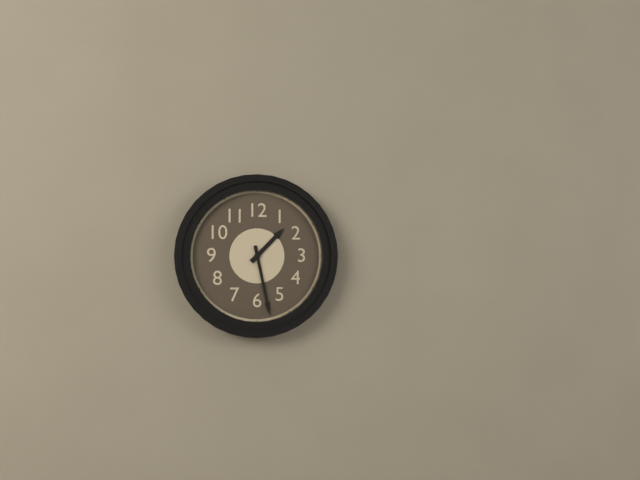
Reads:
1,28
